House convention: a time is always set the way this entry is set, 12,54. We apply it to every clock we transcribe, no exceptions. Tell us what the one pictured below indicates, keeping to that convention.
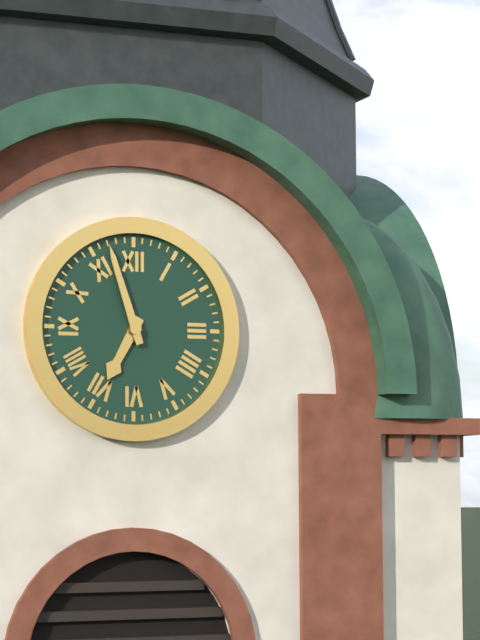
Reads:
6,57
